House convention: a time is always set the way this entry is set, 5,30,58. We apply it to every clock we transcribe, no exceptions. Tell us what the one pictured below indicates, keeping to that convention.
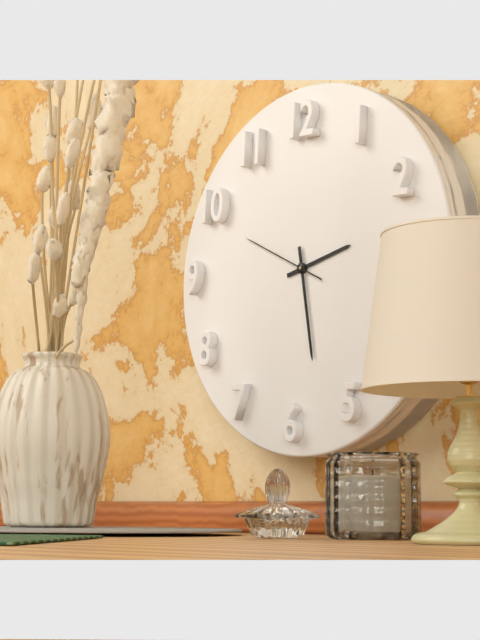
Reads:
2,28,49
